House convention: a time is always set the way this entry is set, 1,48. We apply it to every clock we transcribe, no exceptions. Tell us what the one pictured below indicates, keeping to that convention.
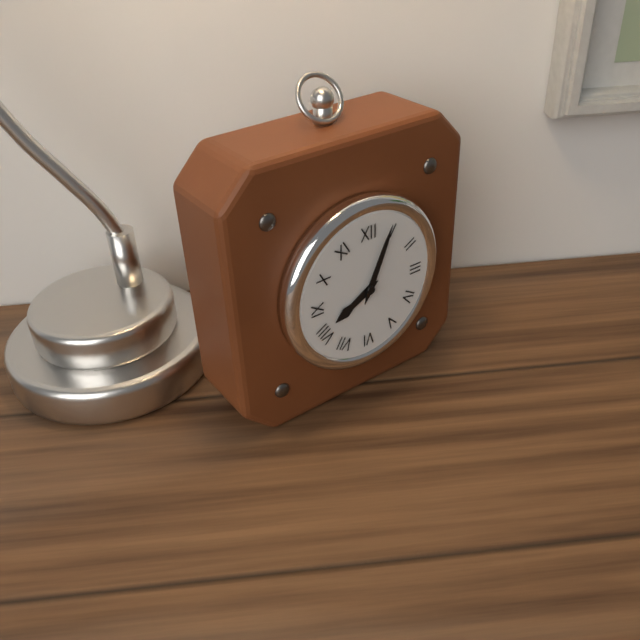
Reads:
8,04
